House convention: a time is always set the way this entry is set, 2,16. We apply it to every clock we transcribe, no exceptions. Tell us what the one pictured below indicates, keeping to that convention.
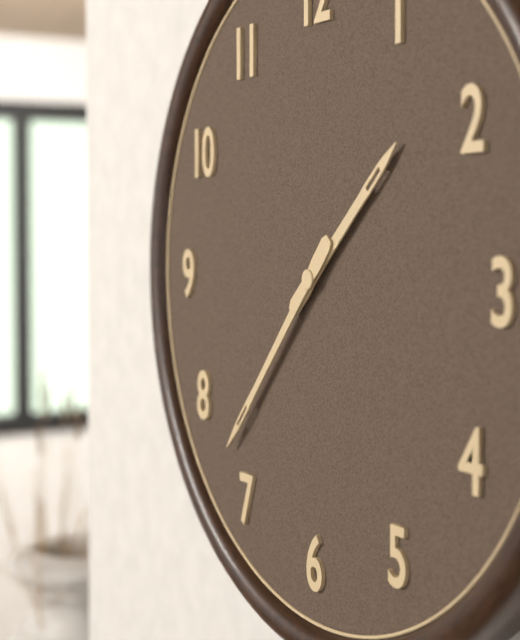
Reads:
1,37
